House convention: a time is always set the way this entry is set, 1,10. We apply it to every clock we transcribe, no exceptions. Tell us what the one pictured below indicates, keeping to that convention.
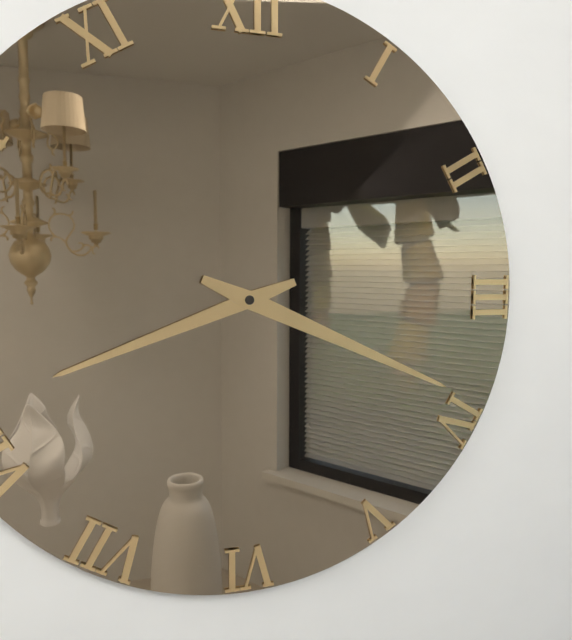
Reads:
8,19
